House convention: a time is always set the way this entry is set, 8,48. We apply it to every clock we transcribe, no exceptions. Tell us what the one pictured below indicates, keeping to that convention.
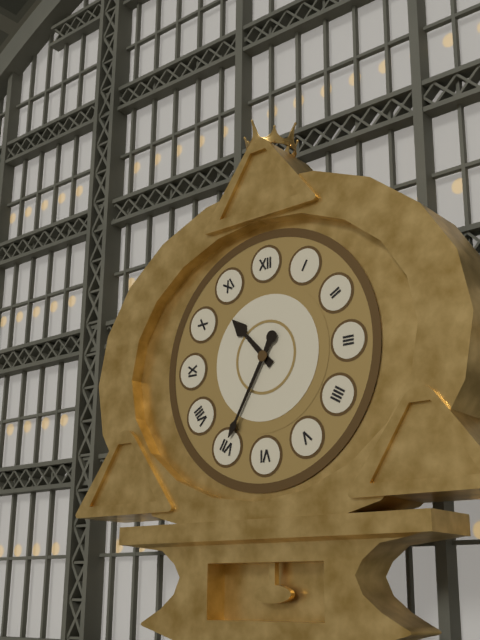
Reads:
10,35
